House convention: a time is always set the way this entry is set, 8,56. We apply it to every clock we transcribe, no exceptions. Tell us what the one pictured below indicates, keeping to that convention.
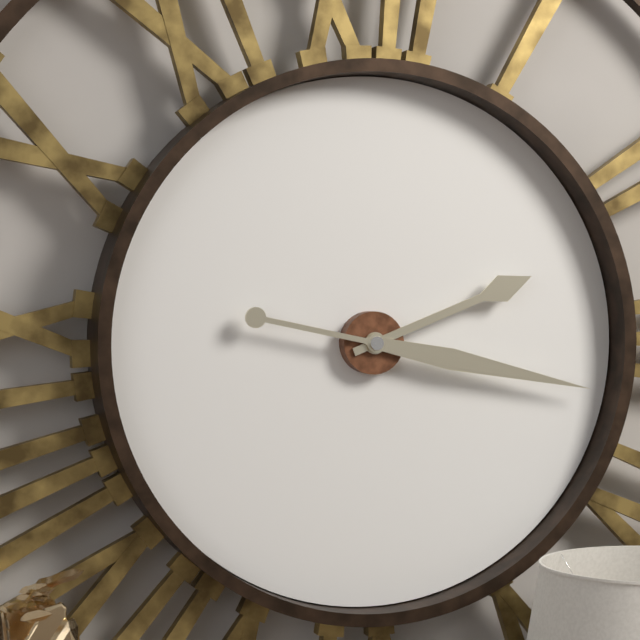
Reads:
2,17
